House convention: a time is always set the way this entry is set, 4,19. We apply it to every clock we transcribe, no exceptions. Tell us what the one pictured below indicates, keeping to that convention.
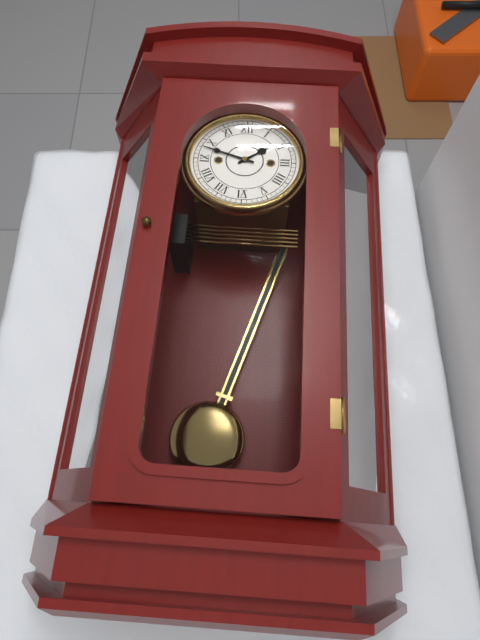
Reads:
1,48
